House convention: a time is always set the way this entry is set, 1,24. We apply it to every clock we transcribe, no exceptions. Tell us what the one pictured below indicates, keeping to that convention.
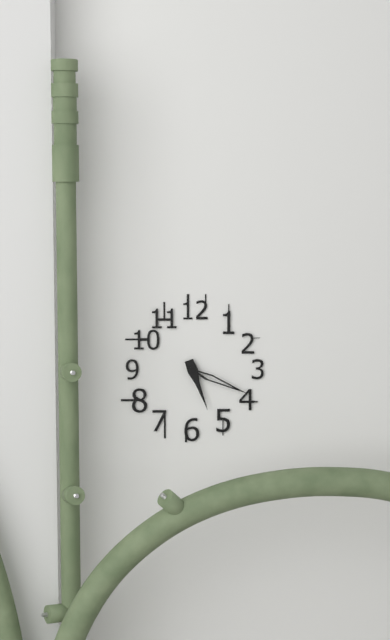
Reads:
5,19
